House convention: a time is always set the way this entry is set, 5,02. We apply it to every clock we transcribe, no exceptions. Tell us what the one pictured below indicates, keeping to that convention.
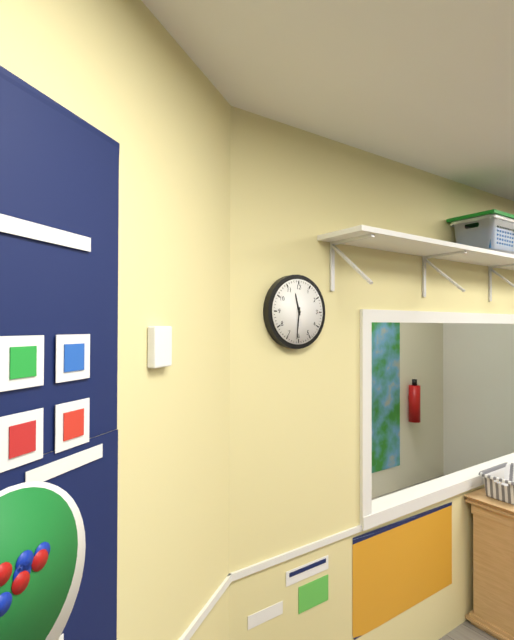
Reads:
11,31
